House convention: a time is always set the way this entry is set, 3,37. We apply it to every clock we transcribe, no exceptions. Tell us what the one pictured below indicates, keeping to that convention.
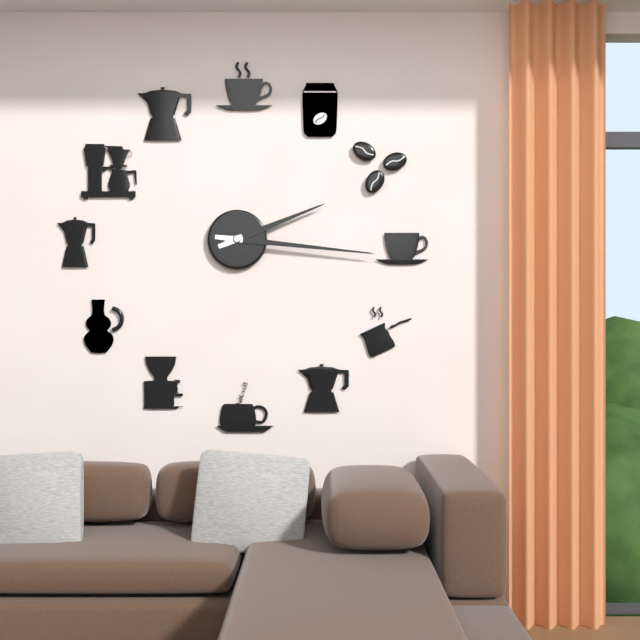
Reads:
2,16
